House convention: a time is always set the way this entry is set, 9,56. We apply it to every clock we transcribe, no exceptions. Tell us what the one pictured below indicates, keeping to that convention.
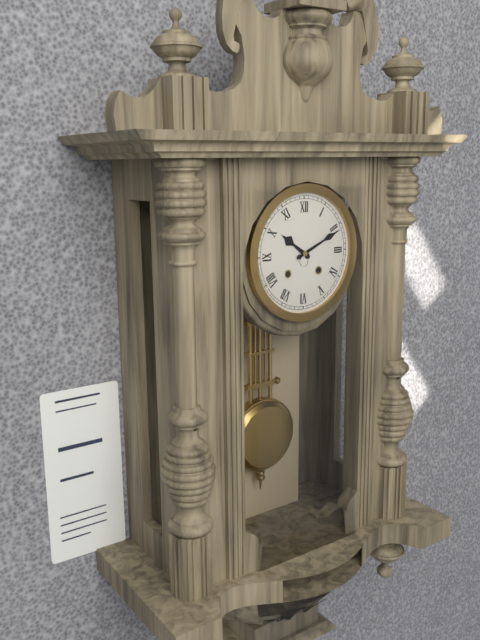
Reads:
10,11
